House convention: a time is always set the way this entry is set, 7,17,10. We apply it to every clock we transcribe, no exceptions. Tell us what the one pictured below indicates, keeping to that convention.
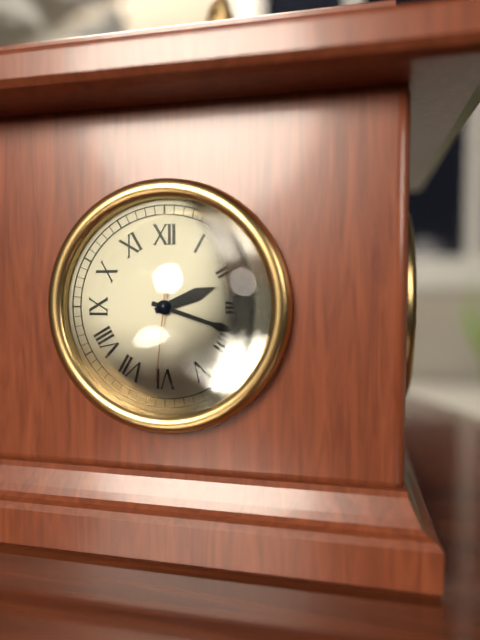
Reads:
2,18,31
